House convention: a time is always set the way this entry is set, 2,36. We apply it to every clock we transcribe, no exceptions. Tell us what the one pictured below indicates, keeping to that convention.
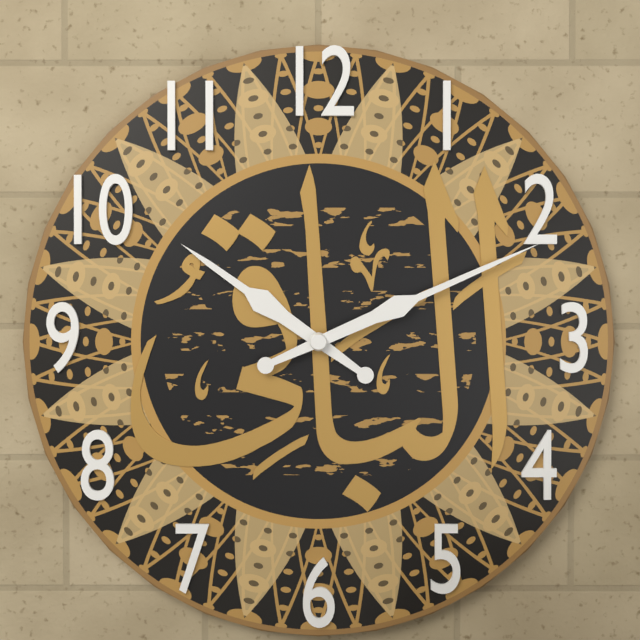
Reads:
10,11
